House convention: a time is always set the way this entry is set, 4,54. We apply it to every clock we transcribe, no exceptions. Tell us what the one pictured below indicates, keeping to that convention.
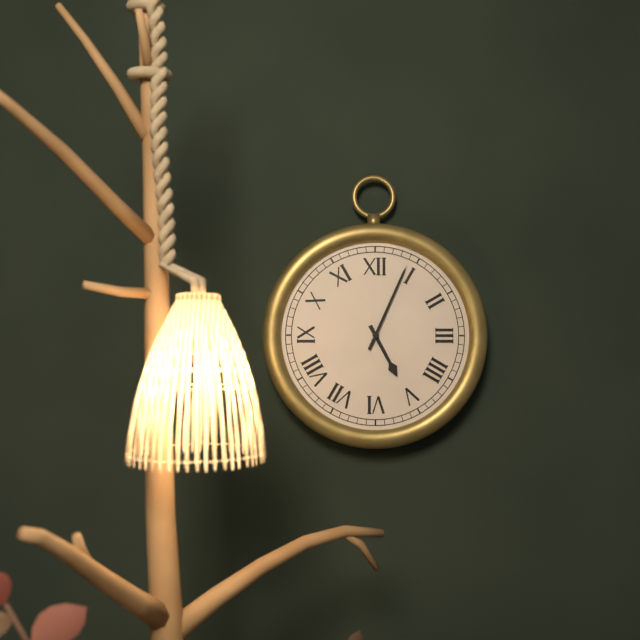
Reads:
5,04
